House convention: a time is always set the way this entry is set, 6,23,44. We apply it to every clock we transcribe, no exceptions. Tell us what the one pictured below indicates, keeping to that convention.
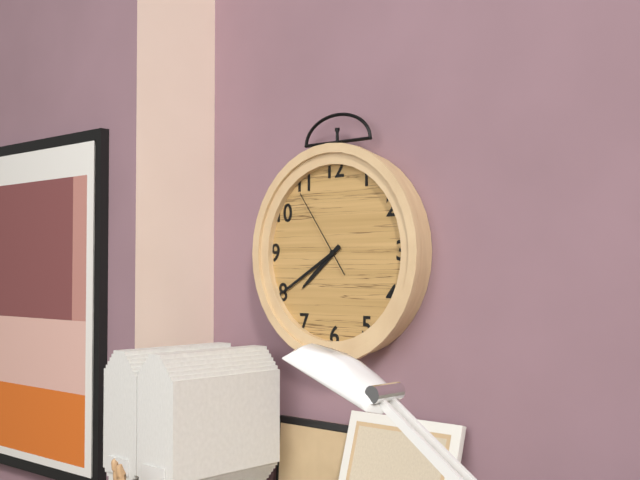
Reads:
7,40,54
